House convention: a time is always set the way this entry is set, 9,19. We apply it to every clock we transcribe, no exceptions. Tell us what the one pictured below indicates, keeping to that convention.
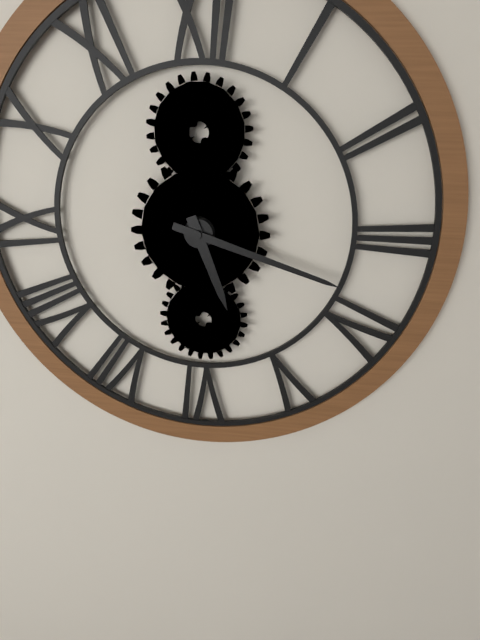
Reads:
5,18
